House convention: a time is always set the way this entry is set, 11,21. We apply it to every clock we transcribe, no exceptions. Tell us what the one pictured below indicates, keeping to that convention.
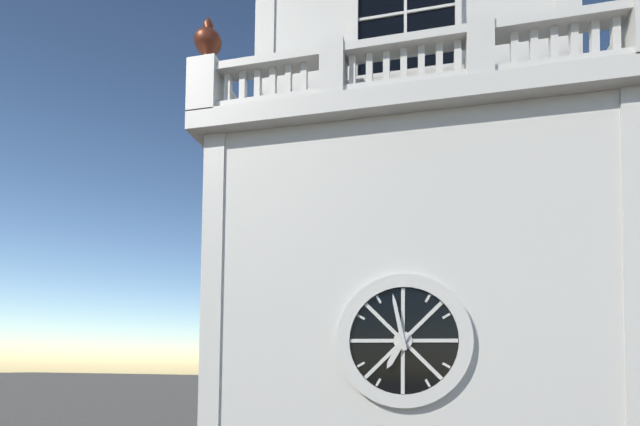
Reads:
6,58
